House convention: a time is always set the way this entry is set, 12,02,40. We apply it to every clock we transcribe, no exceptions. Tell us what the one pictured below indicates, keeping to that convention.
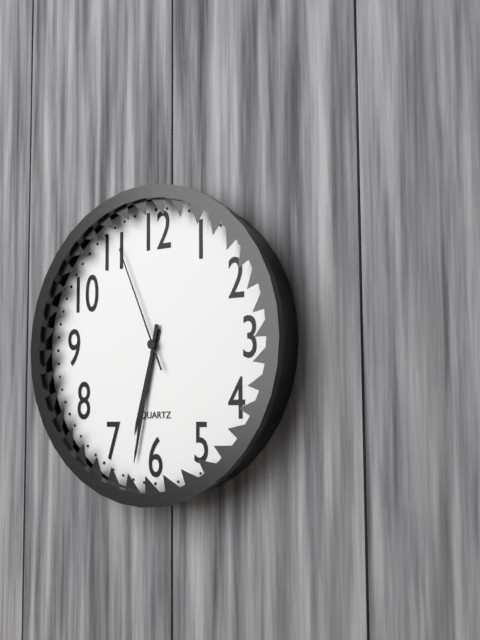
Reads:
6,32,56
